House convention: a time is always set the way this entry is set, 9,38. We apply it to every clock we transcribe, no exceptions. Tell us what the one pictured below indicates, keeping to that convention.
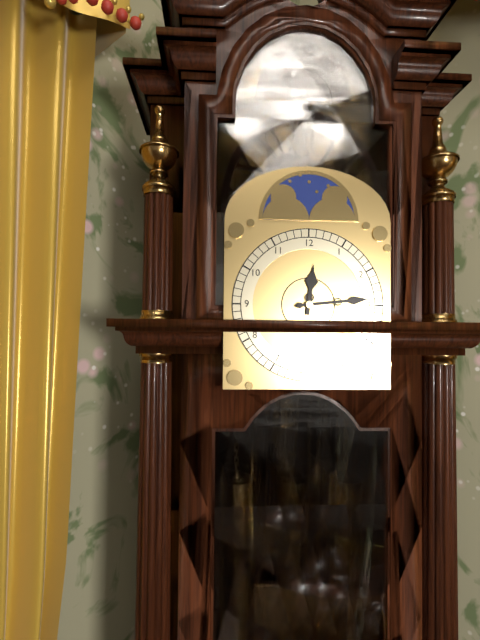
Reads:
12,14
